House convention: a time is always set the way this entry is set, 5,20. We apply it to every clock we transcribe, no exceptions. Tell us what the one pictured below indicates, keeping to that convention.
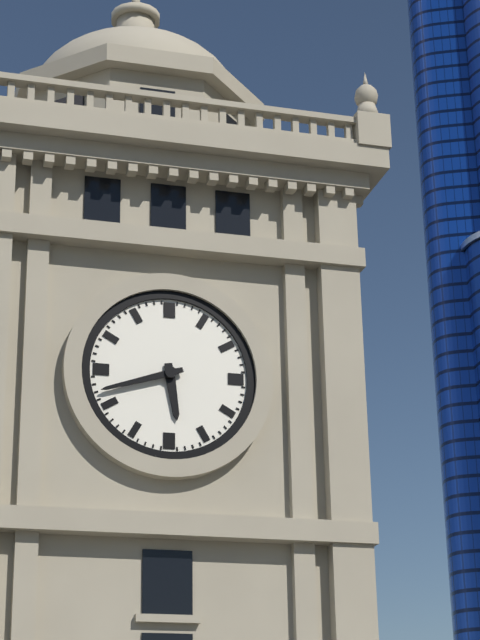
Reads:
5,42
